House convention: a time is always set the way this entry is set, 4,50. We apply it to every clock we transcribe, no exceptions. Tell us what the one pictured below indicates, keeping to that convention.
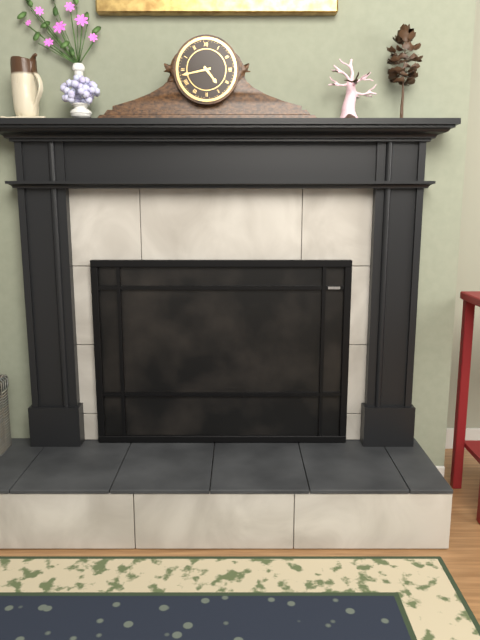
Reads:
4,43
